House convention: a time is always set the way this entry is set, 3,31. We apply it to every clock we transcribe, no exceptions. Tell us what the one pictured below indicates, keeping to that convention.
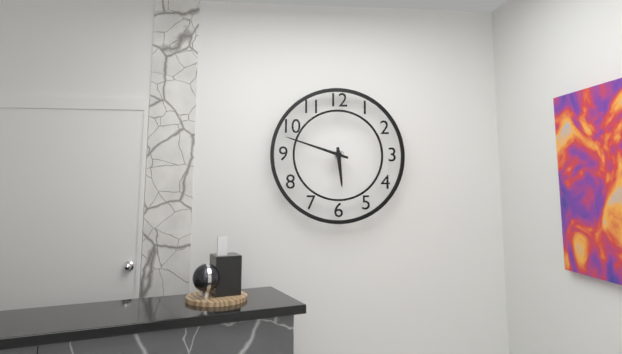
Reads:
5,48
